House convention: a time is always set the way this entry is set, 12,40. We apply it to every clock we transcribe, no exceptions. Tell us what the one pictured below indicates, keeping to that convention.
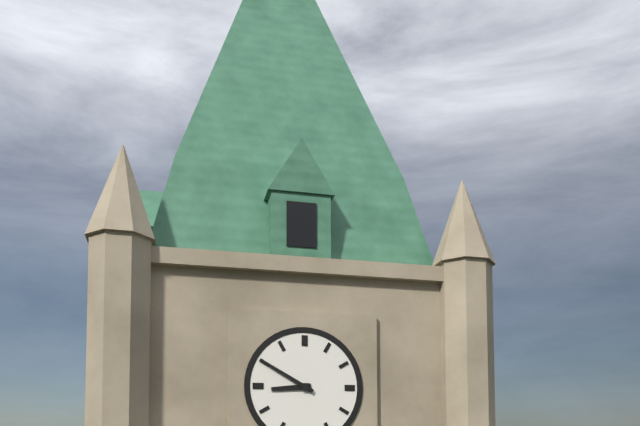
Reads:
8,50
